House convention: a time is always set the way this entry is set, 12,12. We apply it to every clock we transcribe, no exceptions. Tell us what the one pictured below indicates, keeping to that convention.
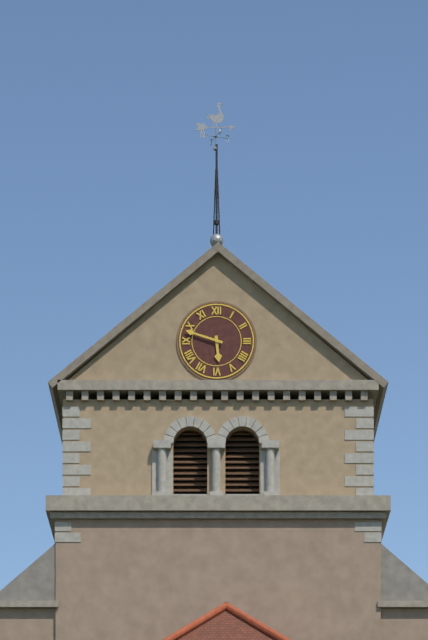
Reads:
5,48
